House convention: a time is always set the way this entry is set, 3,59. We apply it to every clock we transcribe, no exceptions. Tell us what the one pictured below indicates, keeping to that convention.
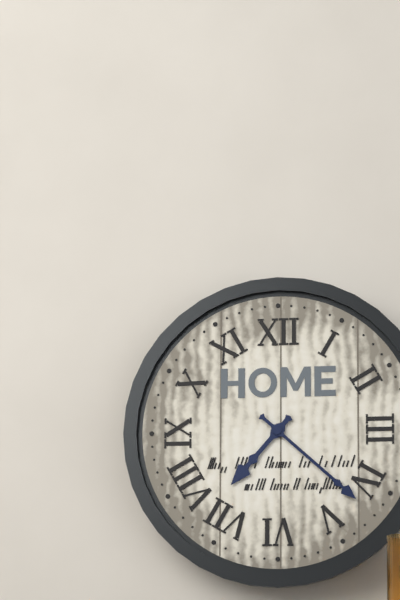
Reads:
7,22
